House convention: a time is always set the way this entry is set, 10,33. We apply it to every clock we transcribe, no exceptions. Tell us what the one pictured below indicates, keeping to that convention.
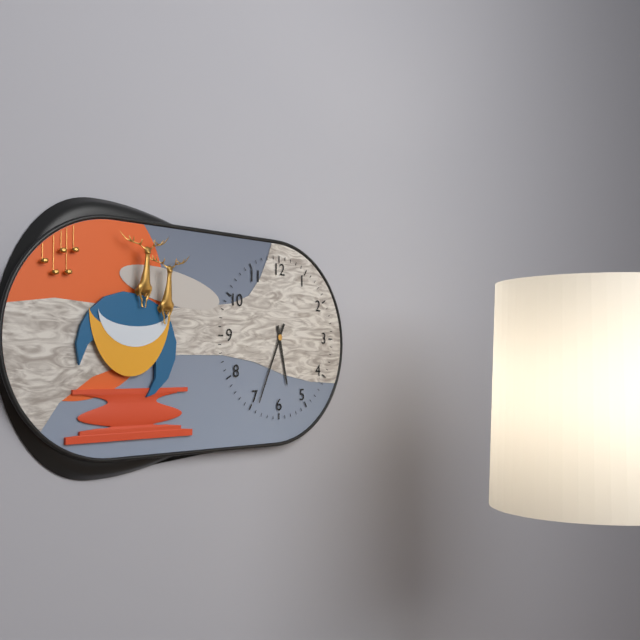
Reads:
5,34
